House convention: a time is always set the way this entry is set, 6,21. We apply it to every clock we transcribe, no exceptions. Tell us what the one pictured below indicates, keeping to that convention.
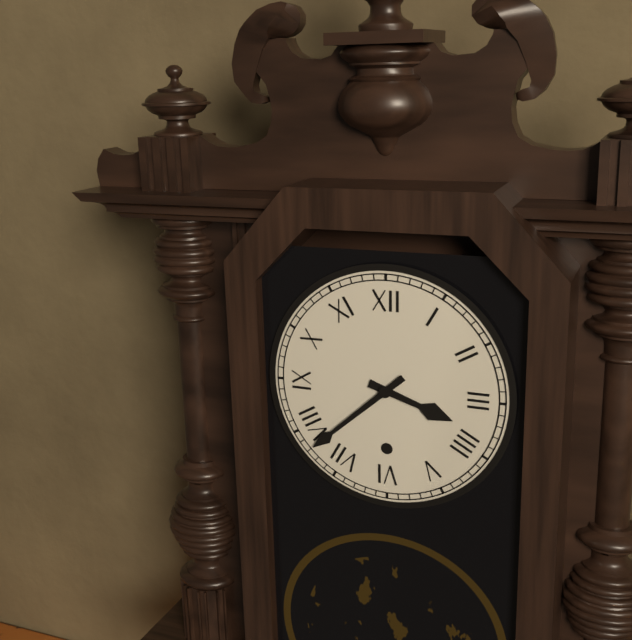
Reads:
3,38
